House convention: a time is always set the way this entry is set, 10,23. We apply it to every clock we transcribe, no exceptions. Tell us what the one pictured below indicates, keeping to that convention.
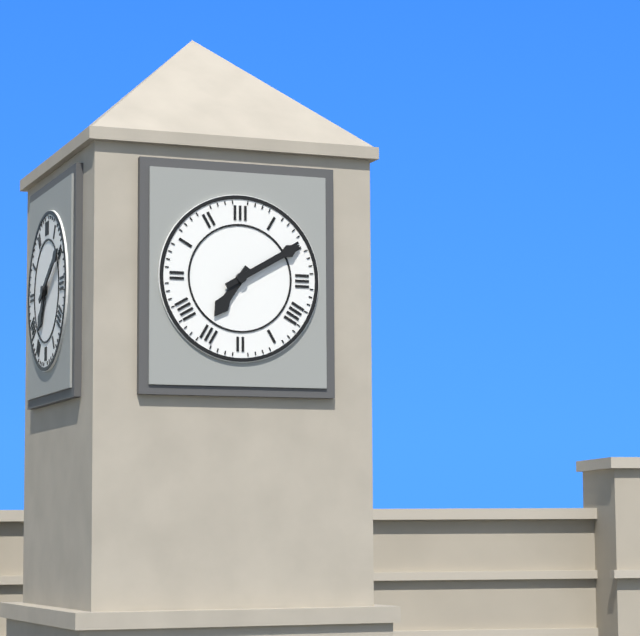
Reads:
7,10
